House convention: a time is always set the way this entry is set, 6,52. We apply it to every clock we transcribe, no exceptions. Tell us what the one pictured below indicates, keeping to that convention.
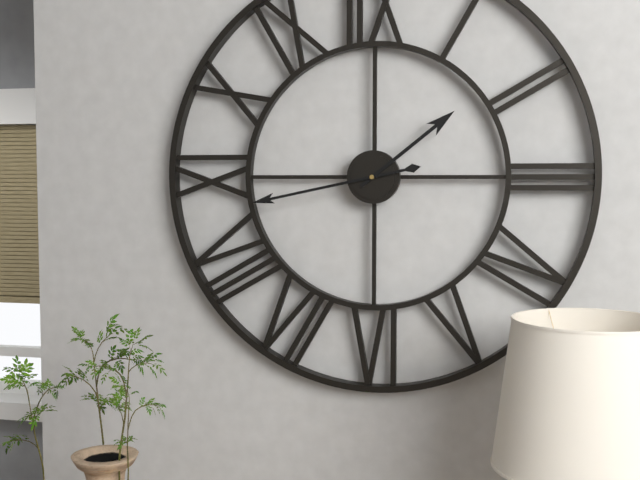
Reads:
1,43
